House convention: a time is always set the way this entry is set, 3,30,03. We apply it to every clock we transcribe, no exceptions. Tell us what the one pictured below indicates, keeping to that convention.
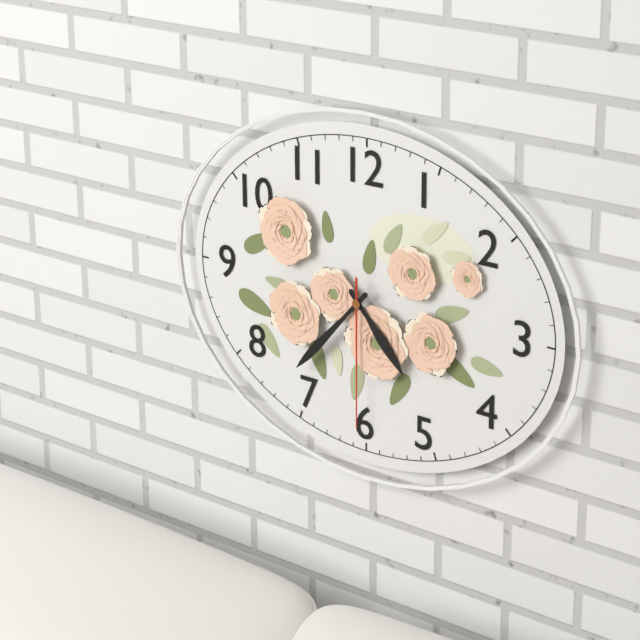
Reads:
4,37,30
